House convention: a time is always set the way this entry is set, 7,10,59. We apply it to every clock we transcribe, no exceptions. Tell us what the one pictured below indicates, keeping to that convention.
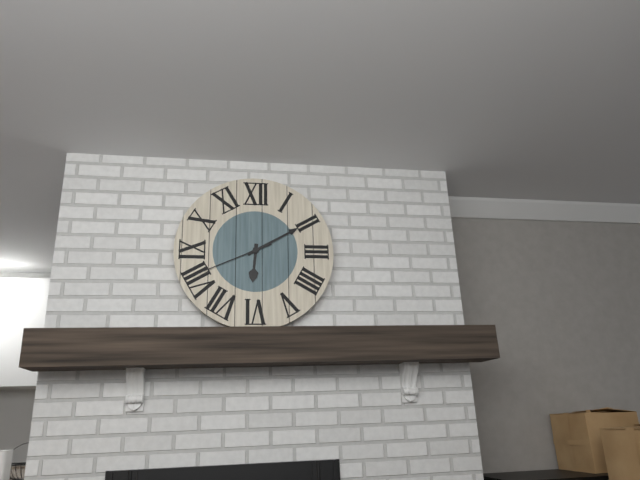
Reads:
6,10,41
